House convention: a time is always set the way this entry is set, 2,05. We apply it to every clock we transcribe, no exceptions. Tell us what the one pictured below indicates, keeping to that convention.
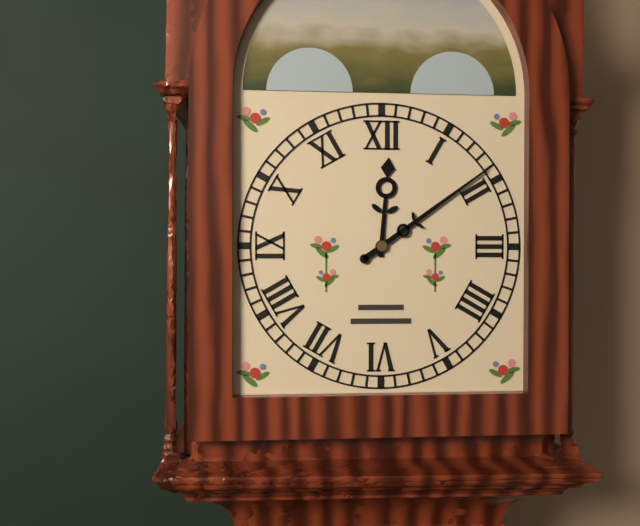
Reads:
12,09
